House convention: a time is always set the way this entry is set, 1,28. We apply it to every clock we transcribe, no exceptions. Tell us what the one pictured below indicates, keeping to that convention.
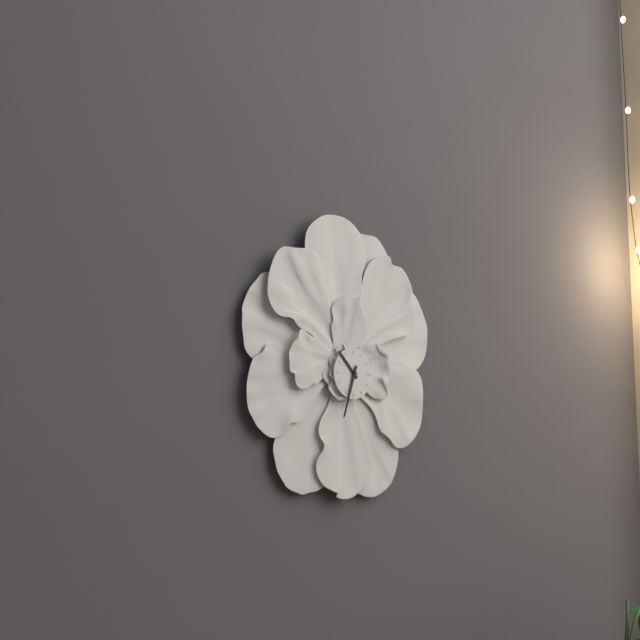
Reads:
10,33
